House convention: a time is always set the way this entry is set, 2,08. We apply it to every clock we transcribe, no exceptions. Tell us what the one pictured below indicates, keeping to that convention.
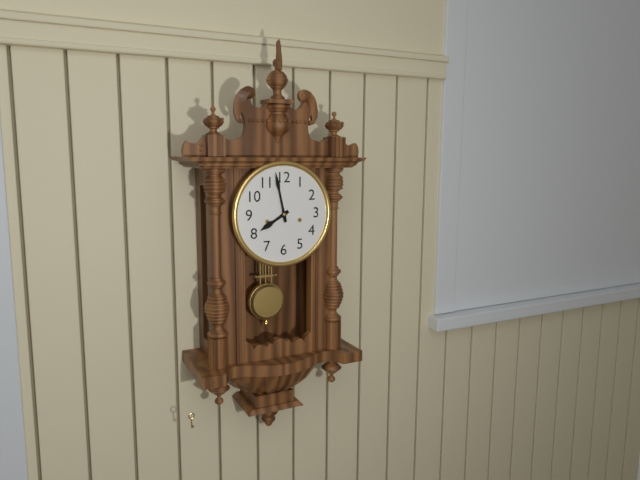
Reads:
7,58
